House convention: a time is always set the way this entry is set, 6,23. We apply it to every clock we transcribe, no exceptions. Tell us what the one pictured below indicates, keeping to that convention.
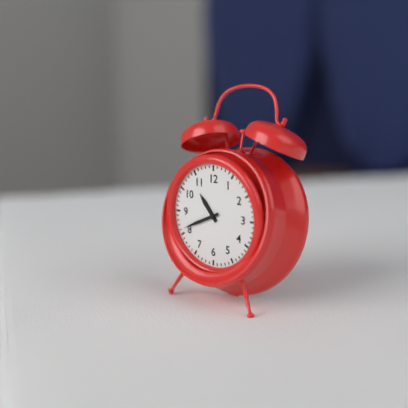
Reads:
10,41
